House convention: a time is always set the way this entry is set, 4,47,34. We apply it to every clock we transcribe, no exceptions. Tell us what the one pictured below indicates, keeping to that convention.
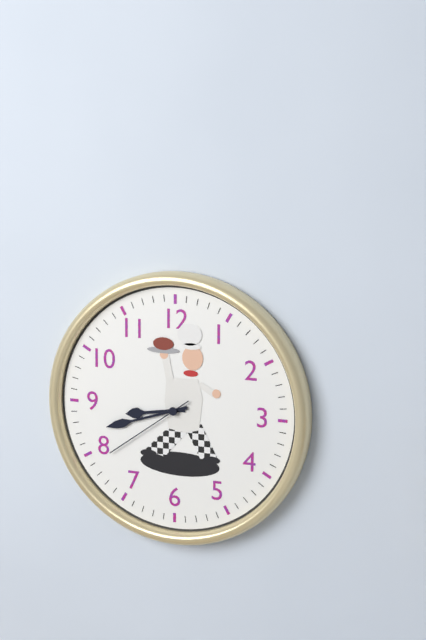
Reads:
8,42,39
